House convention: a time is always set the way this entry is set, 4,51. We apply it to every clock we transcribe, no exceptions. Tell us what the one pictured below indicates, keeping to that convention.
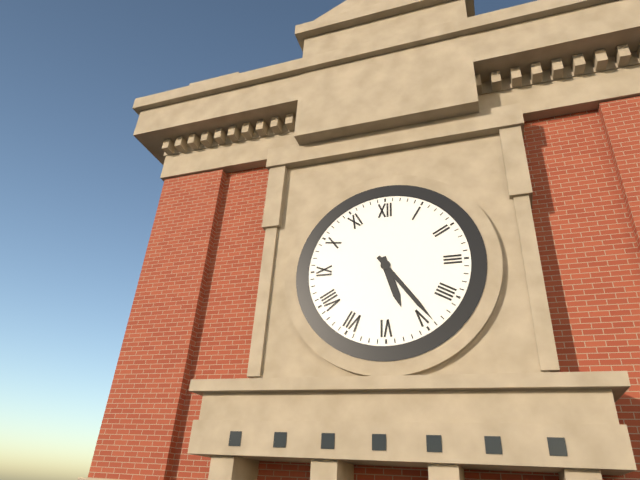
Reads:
5,24
